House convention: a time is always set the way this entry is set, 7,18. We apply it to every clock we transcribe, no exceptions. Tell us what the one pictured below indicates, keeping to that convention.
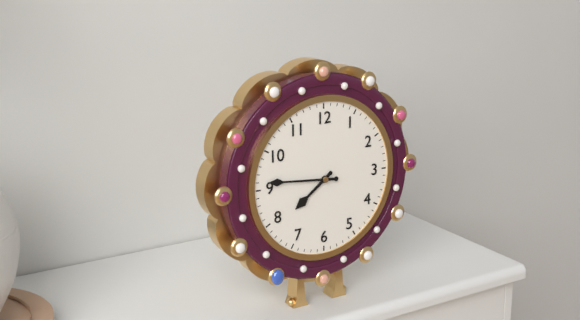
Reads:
7,46
